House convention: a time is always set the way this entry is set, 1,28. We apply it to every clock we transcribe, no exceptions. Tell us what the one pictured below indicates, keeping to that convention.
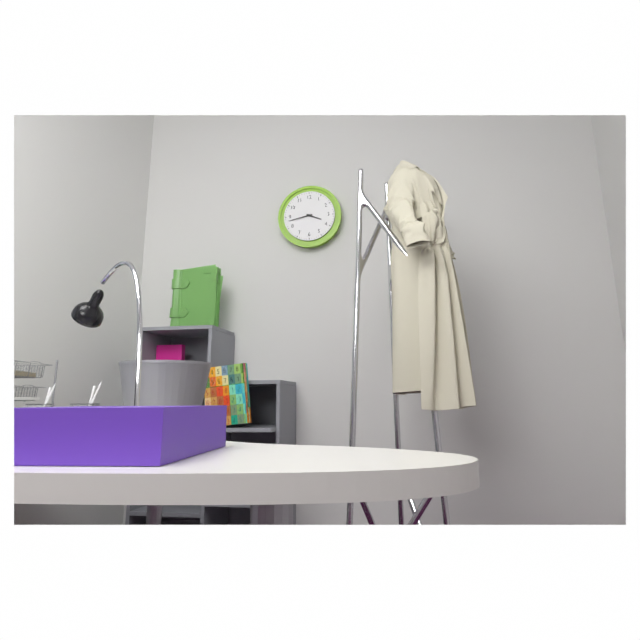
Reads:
3,43
